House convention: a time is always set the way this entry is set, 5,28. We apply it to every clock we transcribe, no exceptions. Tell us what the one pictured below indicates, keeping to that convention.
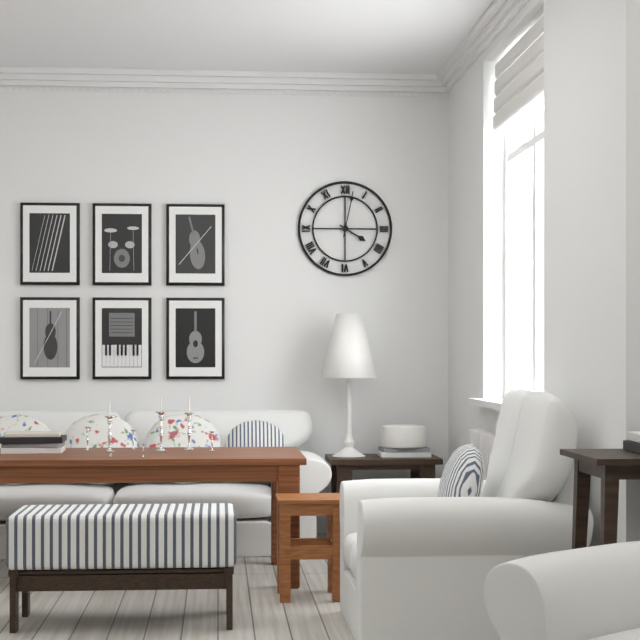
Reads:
4,02
